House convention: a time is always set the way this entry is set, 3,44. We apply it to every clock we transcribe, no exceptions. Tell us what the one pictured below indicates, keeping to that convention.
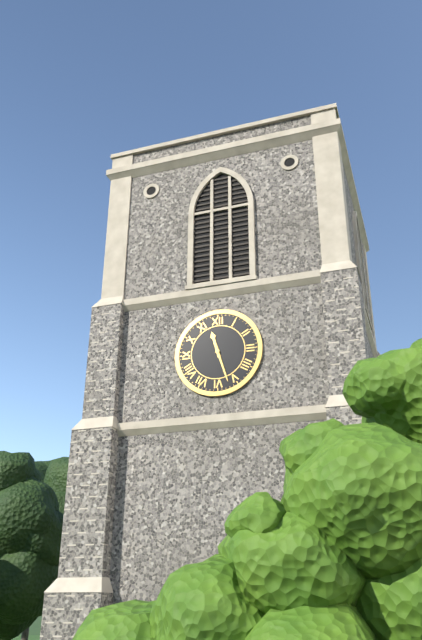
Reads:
11,27
